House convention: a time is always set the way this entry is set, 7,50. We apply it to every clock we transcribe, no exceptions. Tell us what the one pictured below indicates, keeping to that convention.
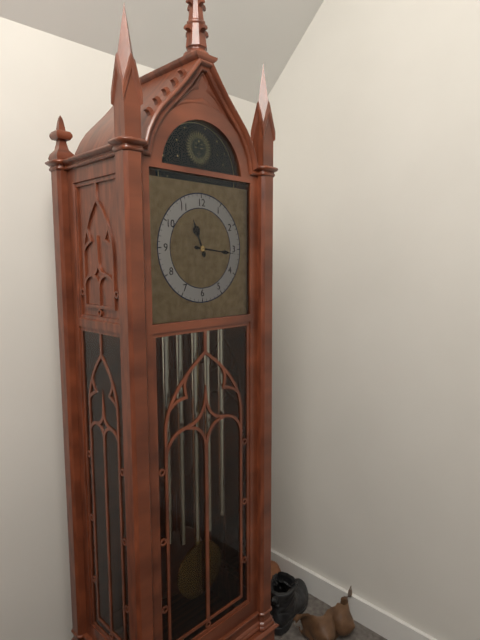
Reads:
11,16
